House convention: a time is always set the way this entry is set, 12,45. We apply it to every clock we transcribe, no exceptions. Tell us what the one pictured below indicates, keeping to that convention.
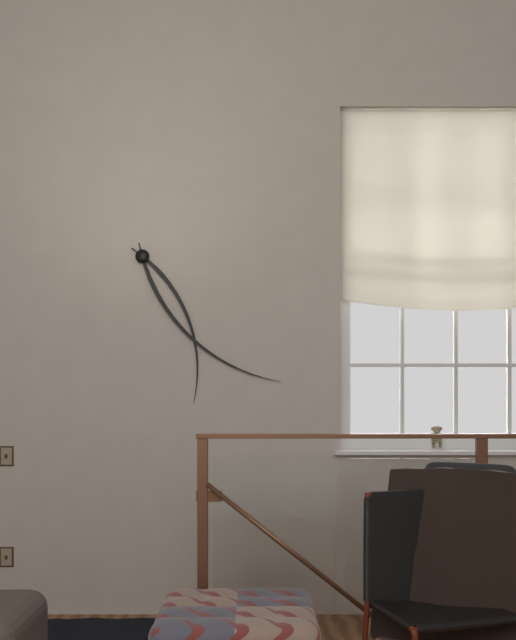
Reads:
5,22
